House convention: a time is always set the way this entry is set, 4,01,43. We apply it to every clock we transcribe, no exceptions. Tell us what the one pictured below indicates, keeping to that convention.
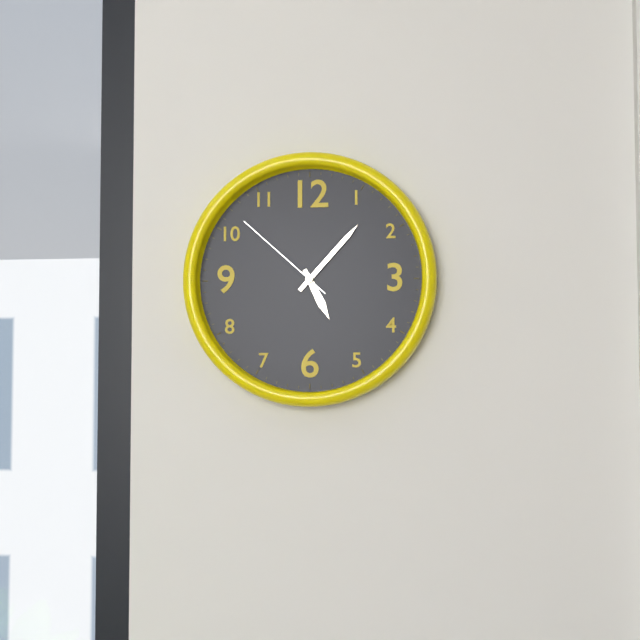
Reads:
5,07,52
